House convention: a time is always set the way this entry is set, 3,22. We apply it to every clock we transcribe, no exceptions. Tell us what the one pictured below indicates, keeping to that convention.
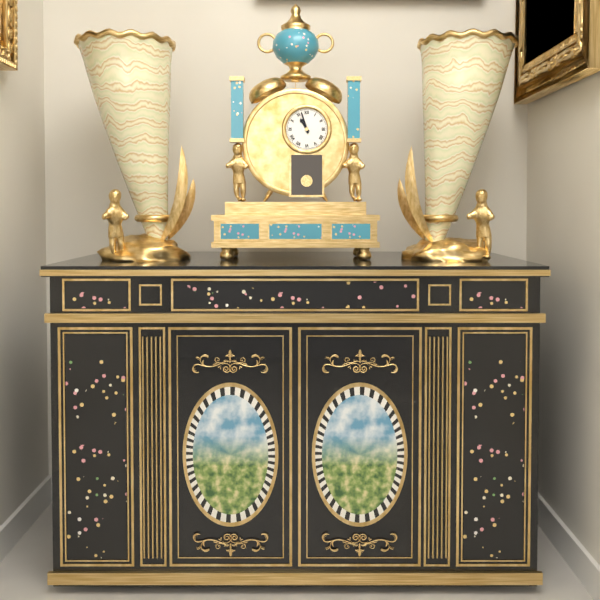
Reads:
10,57
